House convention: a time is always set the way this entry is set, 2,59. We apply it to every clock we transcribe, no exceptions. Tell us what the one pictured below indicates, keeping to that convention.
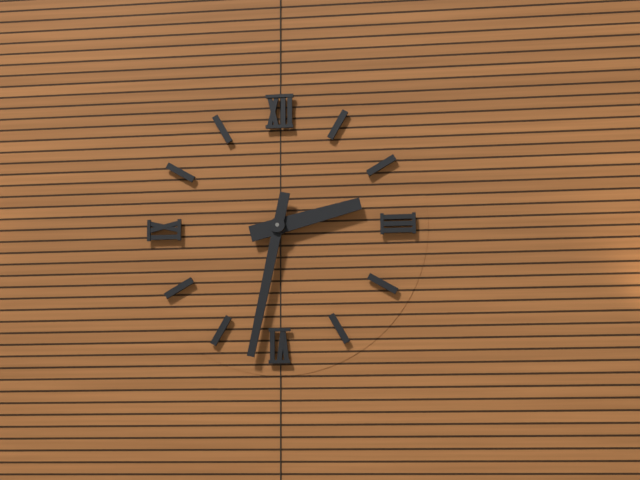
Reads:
2,32
